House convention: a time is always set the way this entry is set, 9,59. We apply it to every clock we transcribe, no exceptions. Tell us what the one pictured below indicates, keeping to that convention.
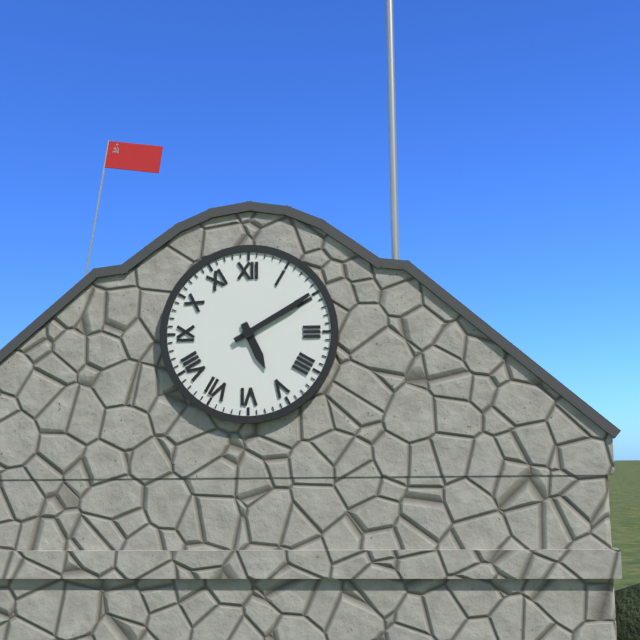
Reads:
5,10
